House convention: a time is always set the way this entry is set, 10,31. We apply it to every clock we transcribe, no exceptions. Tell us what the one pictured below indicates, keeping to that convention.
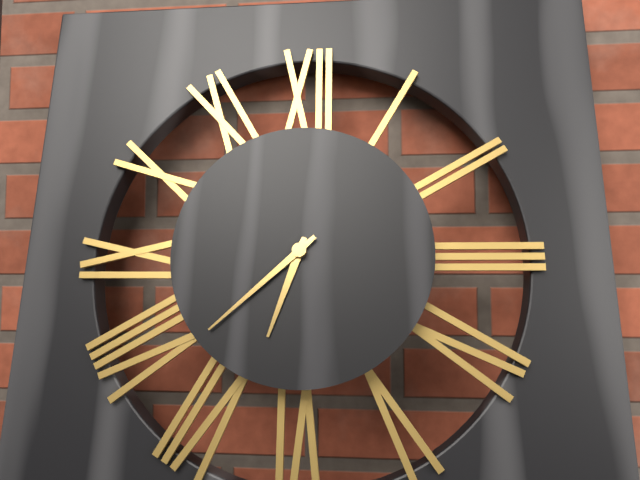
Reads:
6,38
